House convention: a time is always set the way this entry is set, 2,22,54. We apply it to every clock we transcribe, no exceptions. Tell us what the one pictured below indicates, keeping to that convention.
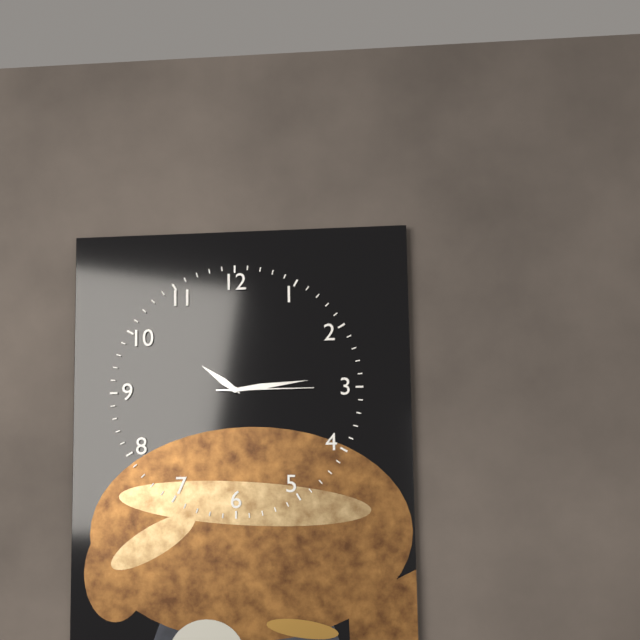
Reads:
10,14,15
